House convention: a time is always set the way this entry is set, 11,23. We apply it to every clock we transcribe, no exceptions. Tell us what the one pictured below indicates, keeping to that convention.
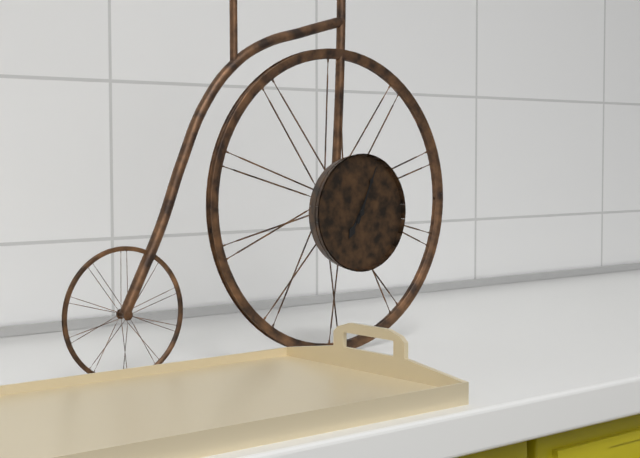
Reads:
7,04
